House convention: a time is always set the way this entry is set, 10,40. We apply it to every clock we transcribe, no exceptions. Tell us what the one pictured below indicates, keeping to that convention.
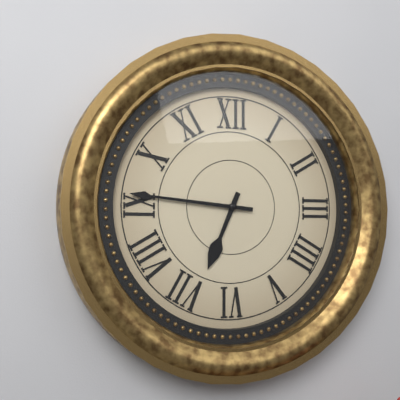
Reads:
6,46
